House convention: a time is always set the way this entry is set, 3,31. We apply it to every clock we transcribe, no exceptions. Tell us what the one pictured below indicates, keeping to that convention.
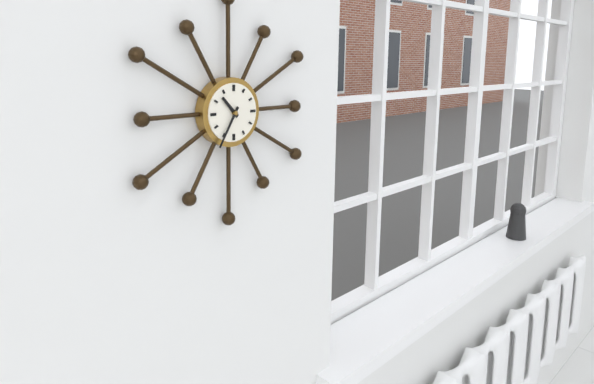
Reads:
10,35
